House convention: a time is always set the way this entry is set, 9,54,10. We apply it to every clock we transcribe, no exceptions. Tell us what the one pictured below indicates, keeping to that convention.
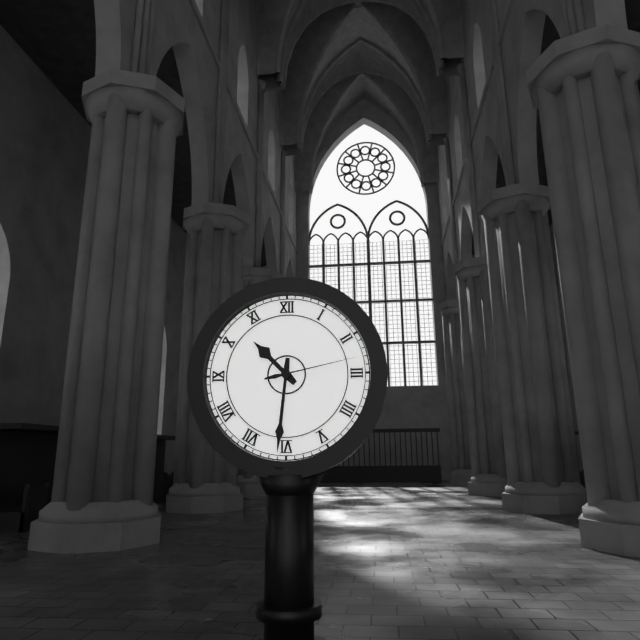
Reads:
10,31,13
